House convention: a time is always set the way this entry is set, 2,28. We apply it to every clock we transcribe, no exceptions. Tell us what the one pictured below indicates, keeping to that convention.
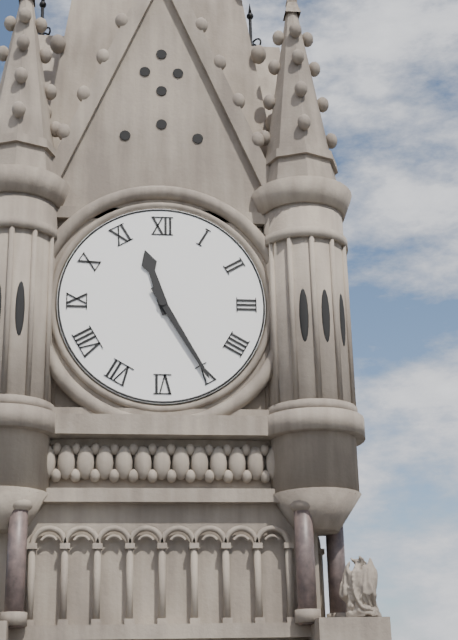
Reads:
11,25
